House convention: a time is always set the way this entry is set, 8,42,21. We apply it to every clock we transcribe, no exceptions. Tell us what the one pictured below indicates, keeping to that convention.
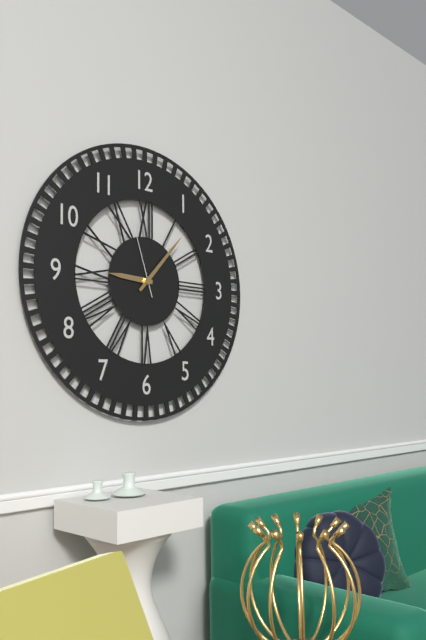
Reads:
9,07,57
